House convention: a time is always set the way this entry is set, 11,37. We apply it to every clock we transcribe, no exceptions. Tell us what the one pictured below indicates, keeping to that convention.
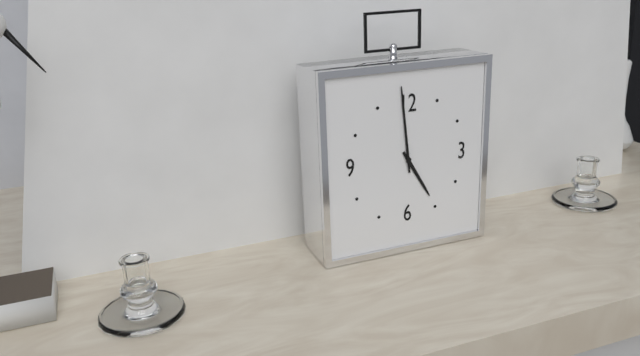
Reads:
4,59
